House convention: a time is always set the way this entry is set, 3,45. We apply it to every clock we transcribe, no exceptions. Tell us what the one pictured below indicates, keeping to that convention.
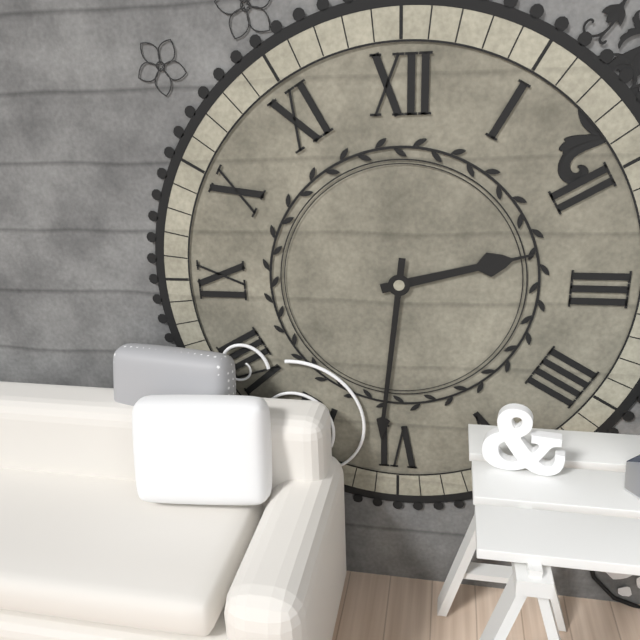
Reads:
2,31
